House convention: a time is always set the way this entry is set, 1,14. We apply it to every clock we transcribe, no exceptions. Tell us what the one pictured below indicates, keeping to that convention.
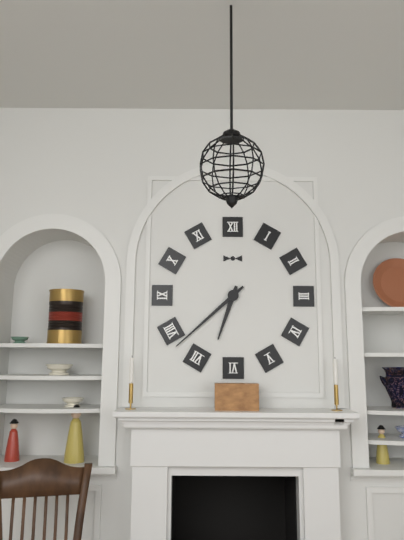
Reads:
6,38
